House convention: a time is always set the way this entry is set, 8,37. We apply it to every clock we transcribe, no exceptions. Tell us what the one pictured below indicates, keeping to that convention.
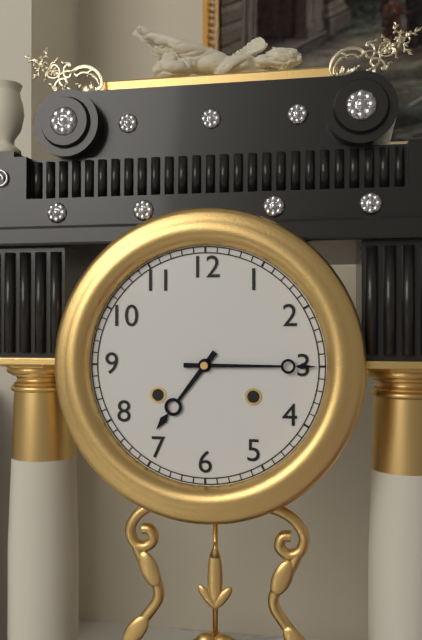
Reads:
7,15
